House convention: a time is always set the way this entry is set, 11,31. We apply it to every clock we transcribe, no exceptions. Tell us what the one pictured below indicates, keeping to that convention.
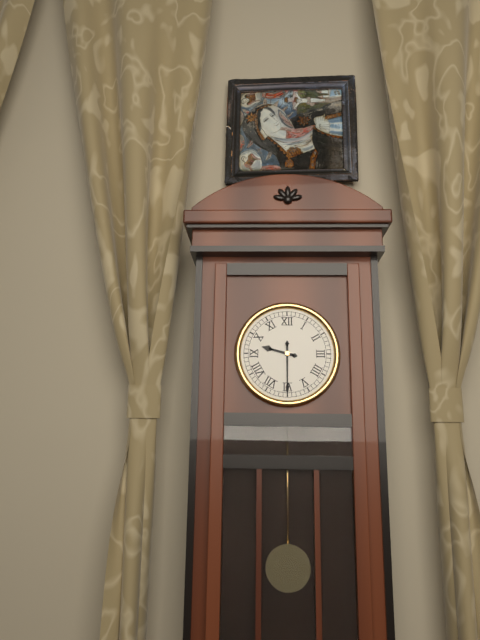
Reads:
9,30
